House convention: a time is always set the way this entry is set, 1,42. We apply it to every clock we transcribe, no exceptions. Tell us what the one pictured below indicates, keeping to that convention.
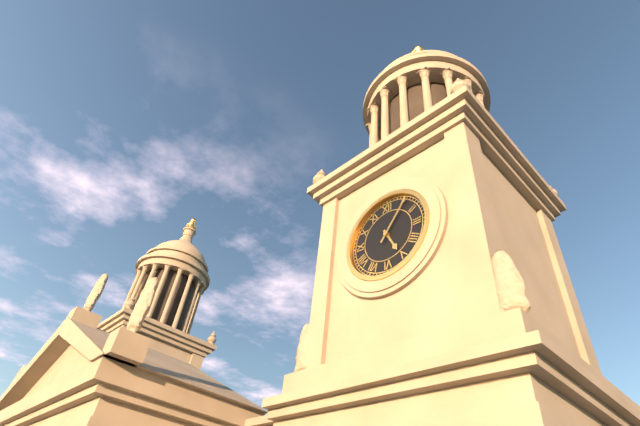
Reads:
5,06
